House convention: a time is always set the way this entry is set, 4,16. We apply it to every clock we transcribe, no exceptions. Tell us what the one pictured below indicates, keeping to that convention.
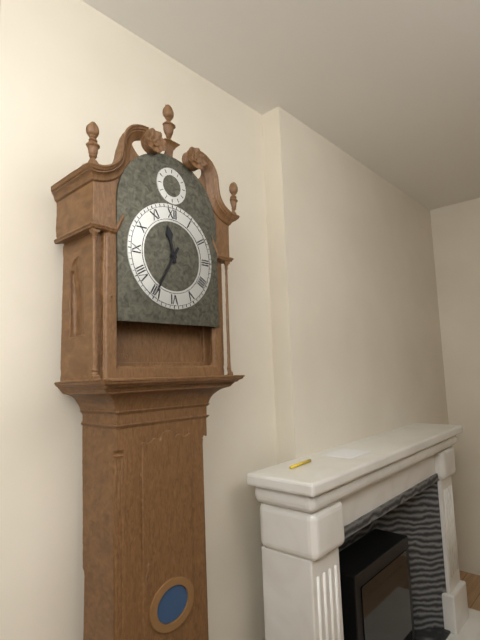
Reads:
11,35
